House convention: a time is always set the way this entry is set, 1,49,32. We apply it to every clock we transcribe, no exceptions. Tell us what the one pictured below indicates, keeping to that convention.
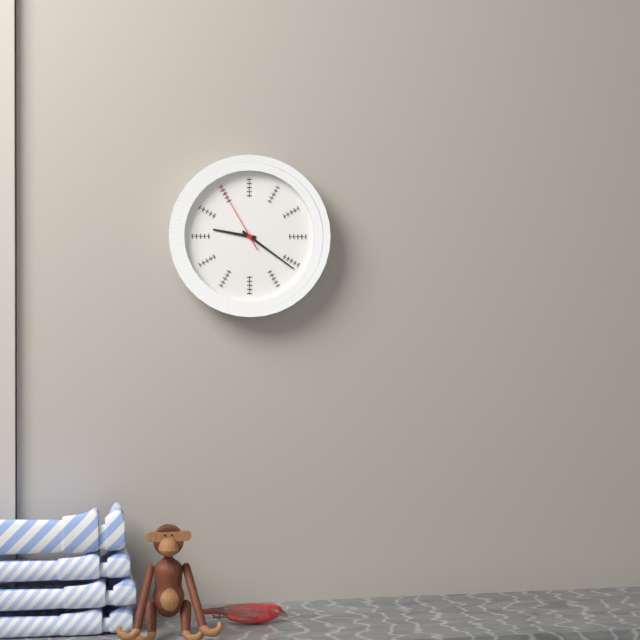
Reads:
9,21,55
